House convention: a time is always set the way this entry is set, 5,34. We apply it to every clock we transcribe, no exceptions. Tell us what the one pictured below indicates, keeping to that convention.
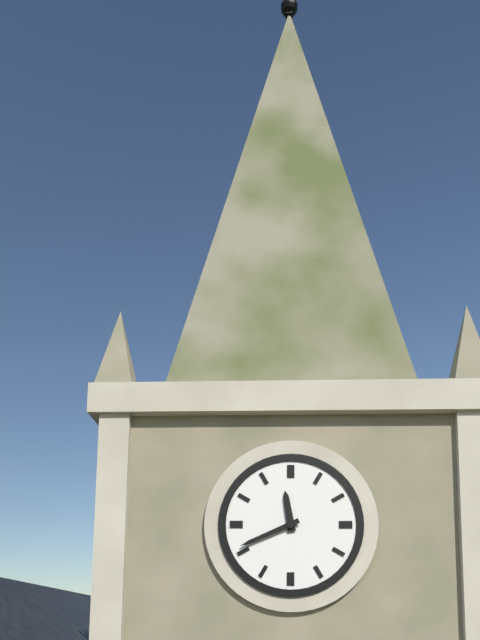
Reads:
11,41
